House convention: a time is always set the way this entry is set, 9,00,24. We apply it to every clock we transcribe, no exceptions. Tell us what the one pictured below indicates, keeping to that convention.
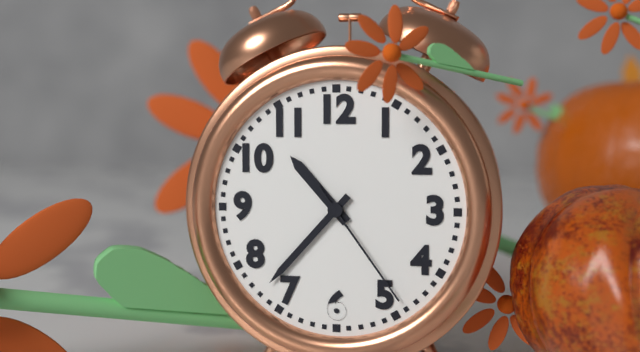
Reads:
10,37,24
